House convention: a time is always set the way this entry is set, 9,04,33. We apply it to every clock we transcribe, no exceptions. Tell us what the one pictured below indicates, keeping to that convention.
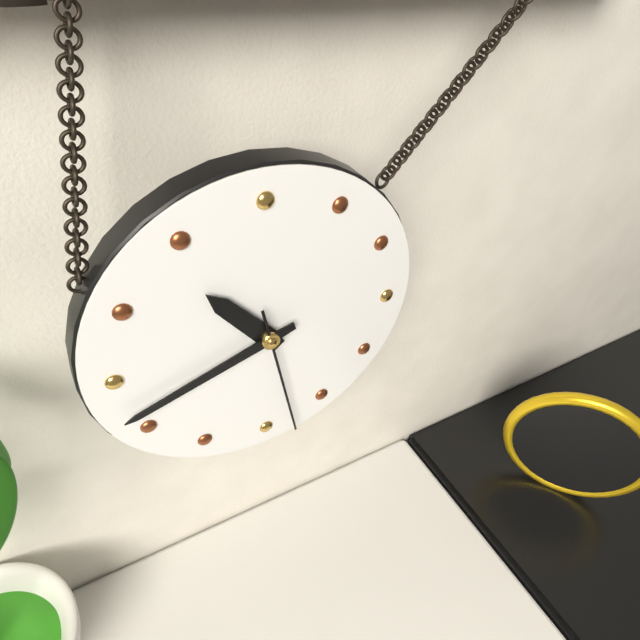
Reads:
10,42,28
